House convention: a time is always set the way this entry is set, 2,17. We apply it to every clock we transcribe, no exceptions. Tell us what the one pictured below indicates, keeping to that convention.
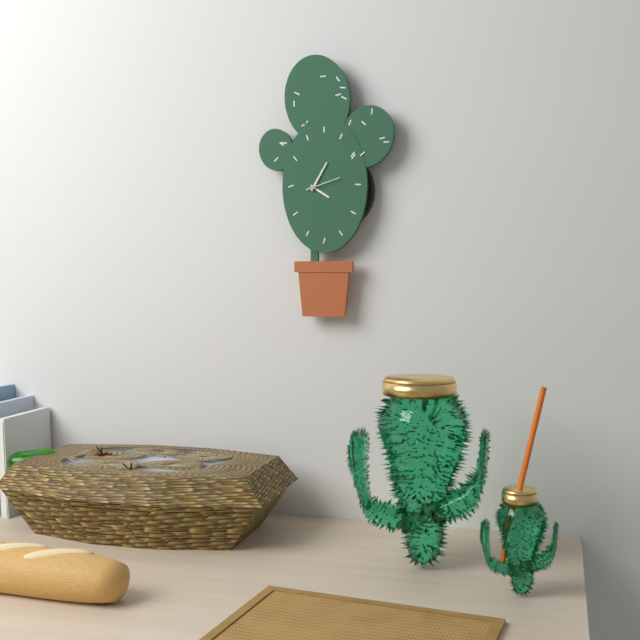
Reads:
4,05
